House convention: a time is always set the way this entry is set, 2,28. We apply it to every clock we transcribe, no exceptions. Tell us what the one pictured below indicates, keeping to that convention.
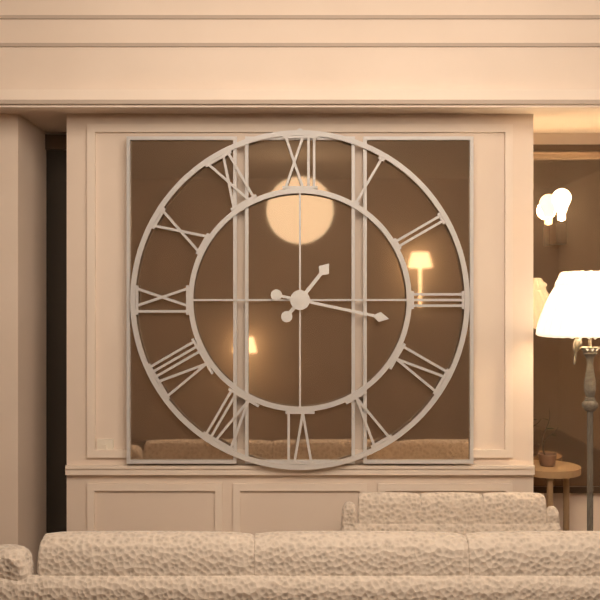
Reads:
1,17
